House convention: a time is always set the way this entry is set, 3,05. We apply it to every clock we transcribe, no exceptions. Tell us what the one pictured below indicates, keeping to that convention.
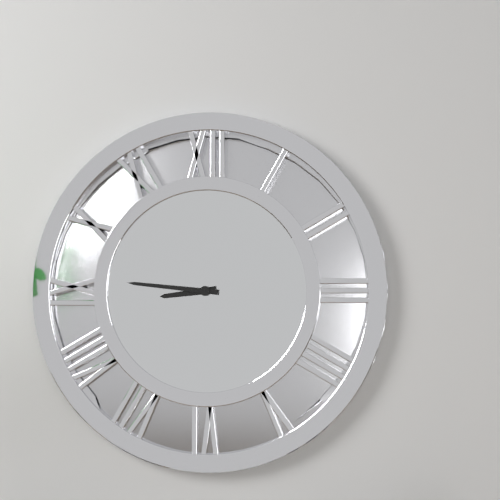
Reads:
8,46
